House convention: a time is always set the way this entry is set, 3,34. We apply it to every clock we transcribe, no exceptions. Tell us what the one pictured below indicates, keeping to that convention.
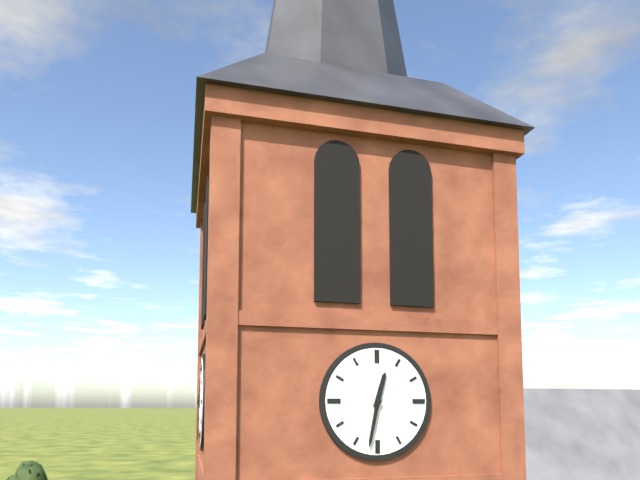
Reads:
12,32
